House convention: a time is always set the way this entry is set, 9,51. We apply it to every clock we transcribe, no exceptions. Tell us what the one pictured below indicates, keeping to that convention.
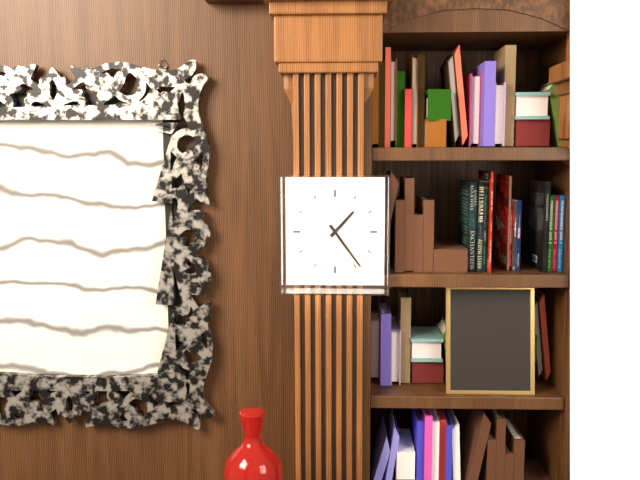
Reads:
1,24
